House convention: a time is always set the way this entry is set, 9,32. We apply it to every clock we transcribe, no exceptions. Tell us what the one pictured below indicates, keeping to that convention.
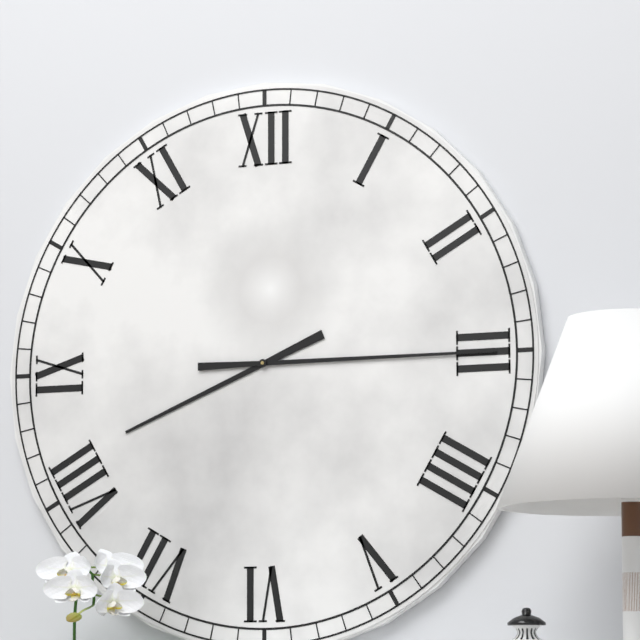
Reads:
8,15
